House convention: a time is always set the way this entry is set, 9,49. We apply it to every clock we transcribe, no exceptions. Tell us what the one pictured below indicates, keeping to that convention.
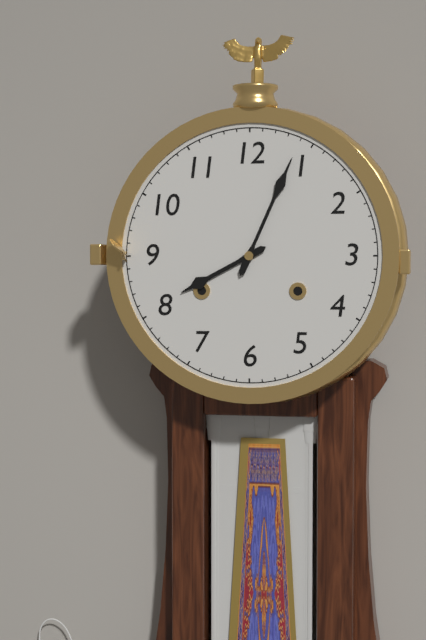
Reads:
8,04
